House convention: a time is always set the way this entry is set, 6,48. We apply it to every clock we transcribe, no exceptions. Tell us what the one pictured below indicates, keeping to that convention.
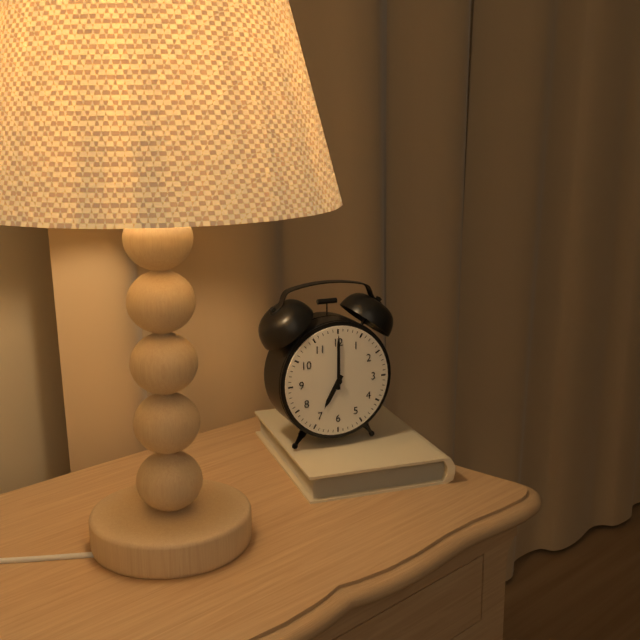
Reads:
7,00
